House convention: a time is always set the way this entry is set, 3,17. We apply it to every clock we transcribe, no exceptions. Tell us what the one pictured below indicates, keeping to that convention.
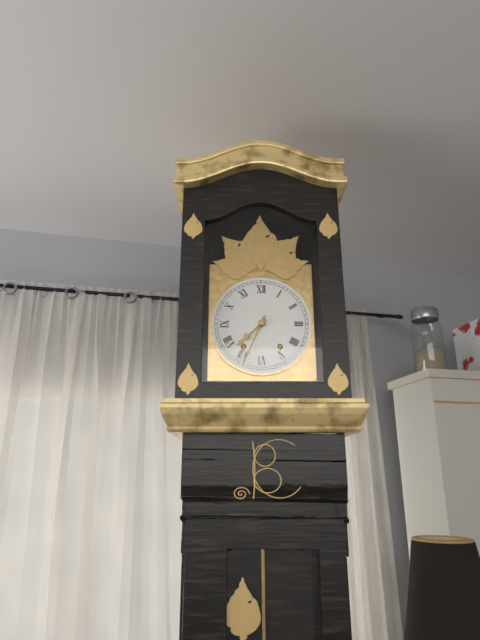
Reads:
7,34
